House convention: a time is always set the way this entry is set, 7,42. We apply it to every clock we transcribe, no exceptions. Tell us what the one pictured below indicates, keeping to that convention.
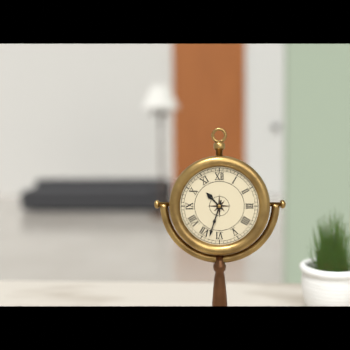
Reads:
10,33
